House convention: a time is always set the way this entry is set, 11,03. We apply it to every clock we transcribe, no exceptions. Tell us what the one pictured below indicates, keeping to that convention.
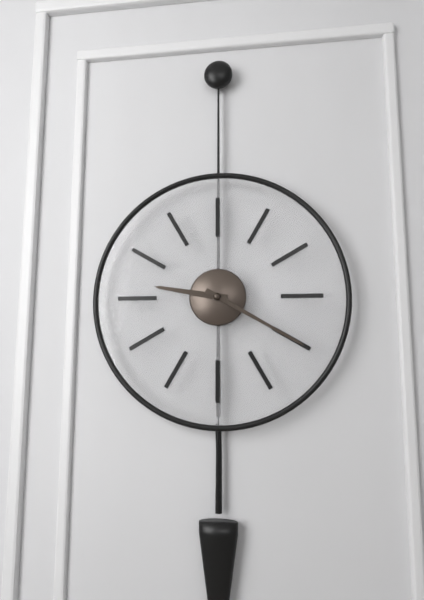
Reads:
9,20
